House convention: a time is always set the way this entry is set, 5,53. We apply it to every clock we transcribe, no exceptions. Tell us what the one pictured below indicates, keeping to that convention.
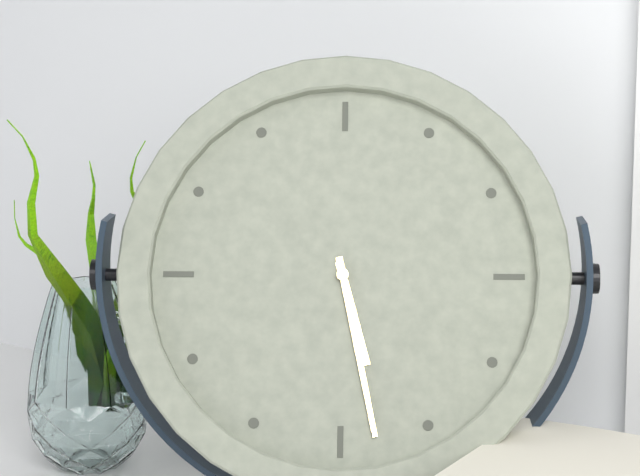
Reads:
5,28
